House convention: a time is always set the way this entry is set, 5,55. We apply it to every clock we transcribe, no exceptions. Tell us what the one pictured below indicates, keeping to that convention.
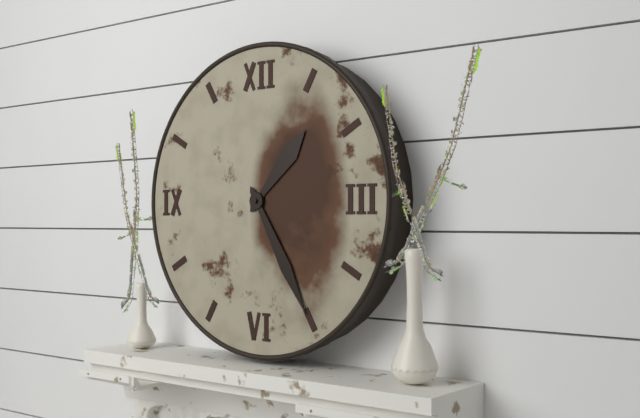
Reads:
1,25
